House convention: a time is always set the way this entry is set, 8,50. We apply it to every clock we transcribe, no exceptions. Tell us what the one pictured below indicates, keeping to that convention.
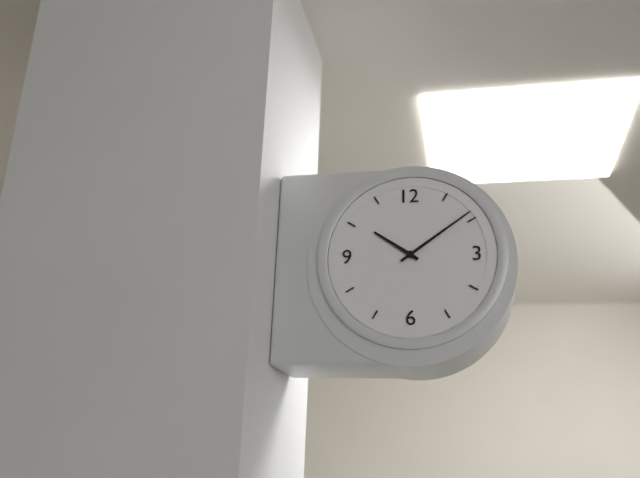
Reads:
10,09
